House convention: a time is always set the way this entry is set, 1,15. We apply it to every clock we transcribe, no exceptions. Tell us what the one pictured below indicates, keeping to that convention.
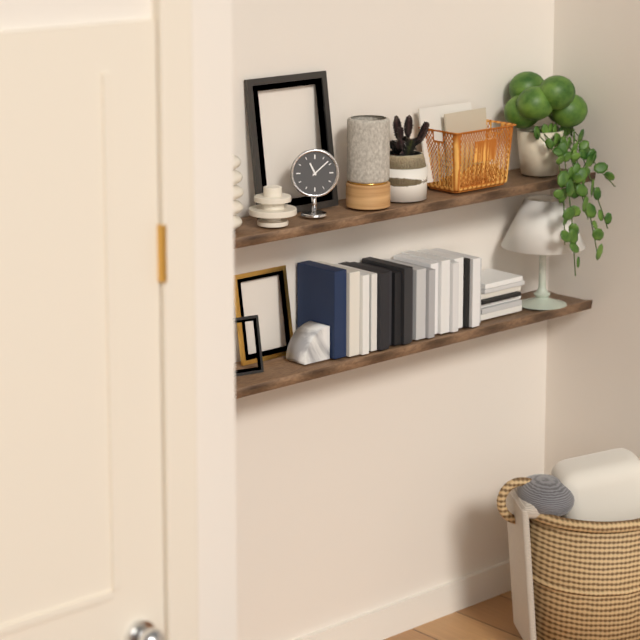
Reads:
11,08
